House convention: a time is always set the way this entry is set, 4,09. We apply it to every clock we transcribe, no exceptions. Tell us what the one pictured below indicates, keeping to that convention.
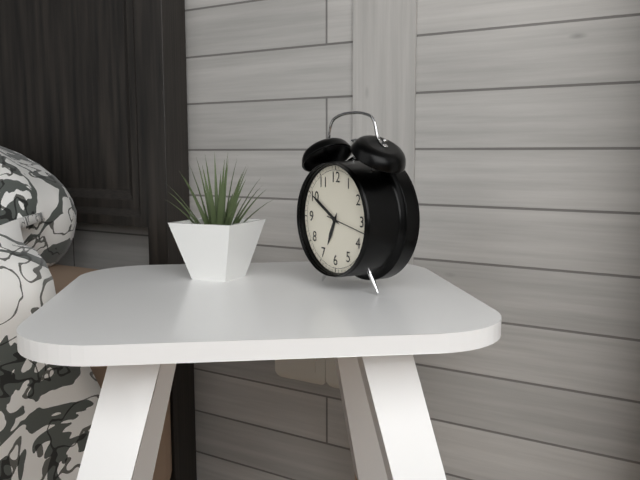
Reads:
6,50
